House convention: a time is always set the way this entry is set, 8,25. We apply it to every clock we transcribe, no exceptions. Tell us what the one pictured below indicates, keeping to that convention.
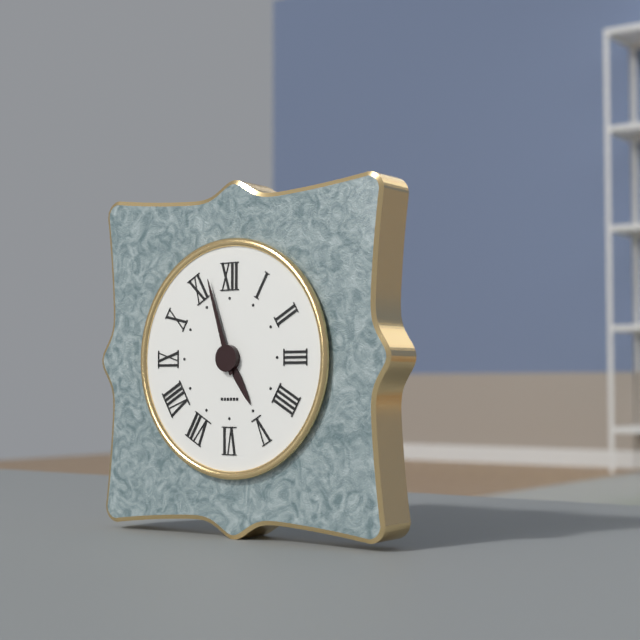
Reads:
4,57
